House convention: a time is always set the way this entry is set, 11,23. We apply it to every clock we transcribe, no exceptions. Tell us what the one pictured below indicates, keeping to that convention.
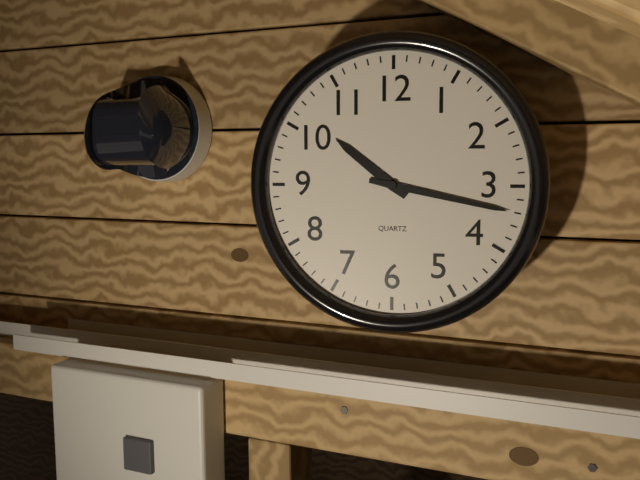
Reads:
10,17
